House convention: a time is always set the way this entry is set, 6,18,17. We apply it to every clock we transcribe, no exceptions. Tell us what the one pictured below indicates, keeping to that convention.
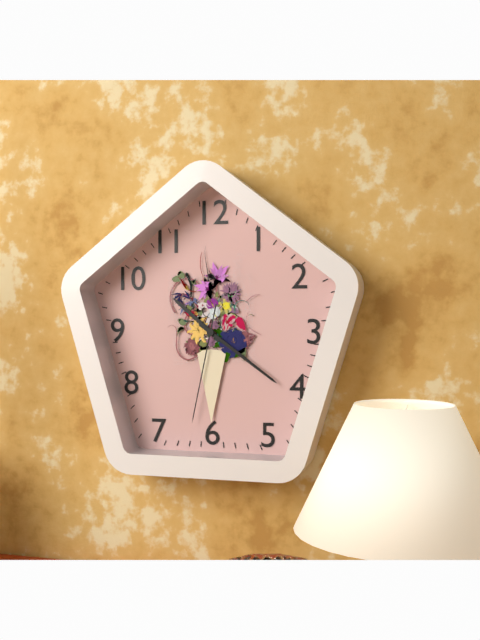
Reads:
10,21,32
